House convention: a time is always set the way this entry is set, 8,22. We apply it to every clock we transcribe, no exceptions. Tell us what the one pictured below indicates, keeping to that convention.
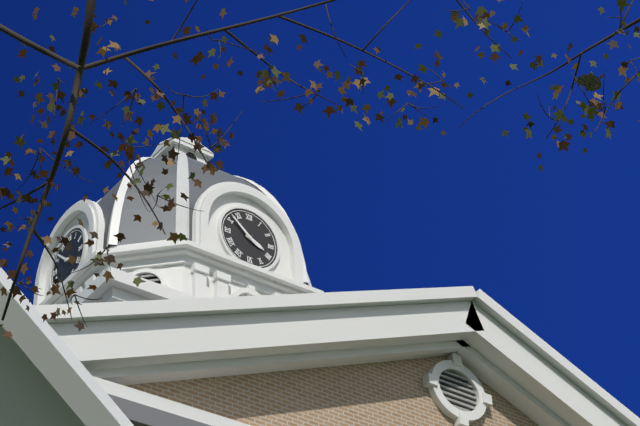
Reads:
3,52
